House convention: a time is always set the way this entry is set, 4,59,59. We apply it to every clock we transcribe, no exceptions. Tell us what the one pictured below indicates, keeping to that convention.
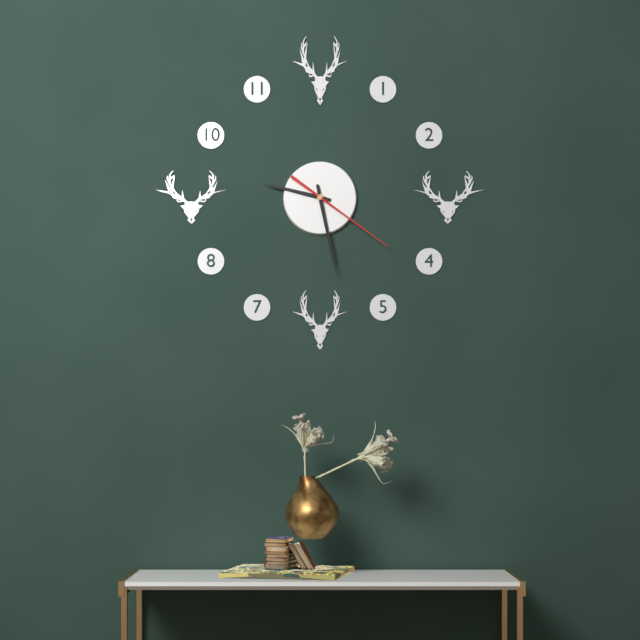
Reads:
9,28,21
